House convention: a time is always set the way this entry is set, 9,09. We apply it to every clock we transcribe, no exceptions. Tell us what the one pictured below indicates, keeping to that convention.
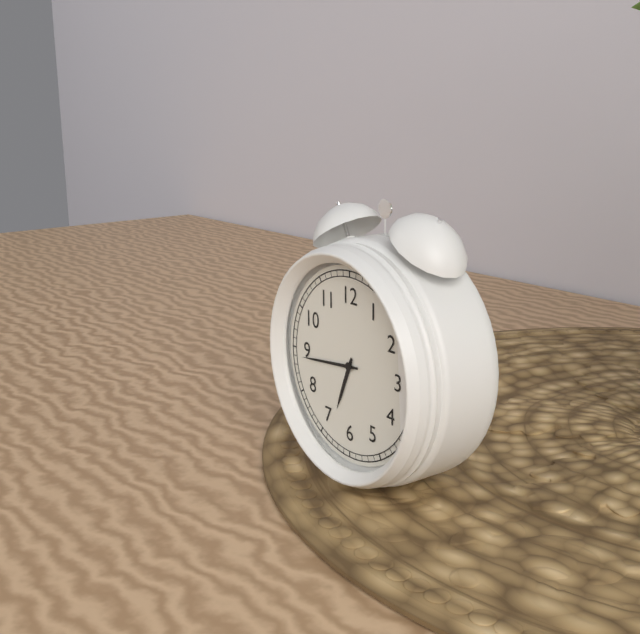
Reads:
6,44
